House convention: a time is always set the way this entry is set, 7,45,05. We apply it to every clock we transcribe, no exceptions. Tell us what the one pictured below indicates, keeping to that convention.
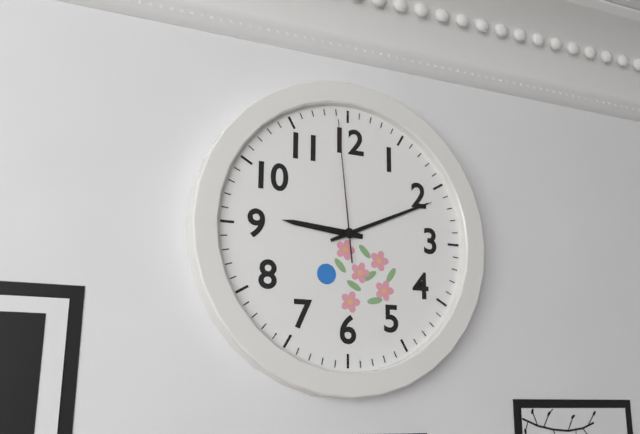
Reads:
9,11,59
